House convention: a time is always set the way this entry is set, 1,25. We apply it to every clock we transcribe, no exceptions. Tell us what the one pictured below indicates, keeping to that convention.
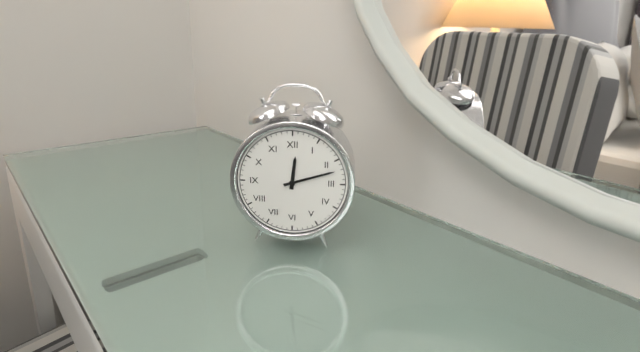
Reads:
12,12
